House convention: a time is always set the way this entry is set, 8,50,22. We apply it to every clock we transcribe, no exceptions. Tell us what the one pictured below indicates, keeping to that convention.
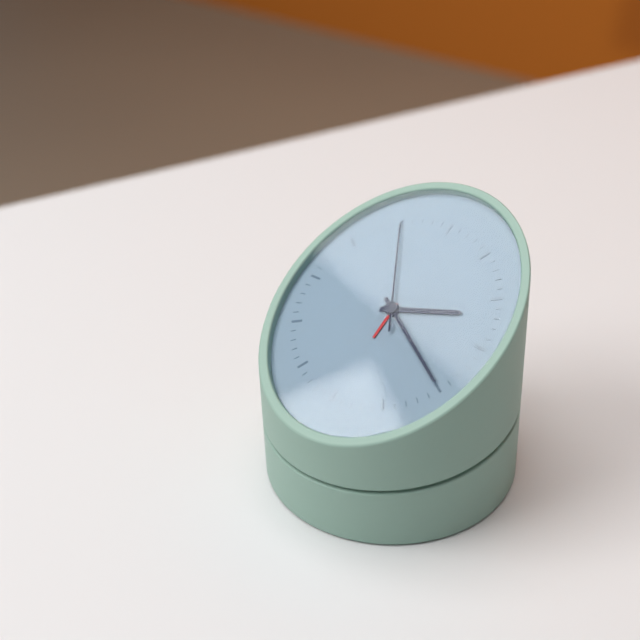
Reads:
2,20,55
